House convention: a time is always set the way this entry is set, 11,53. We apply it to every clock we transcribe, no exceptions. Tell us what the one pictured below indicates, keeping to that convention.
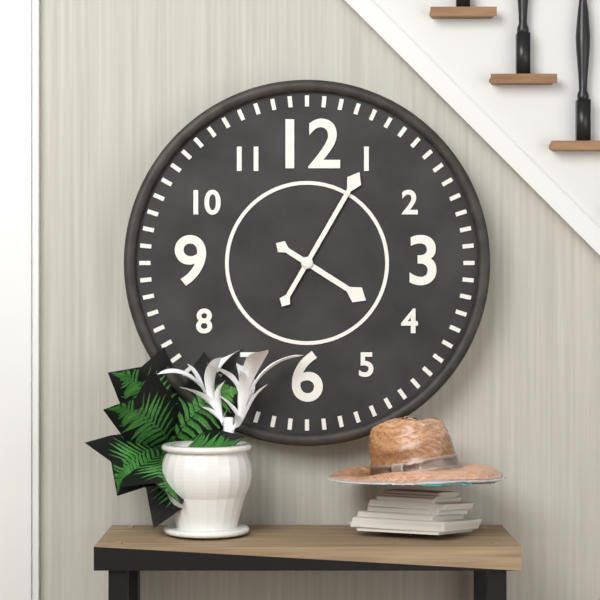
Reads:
4,05
